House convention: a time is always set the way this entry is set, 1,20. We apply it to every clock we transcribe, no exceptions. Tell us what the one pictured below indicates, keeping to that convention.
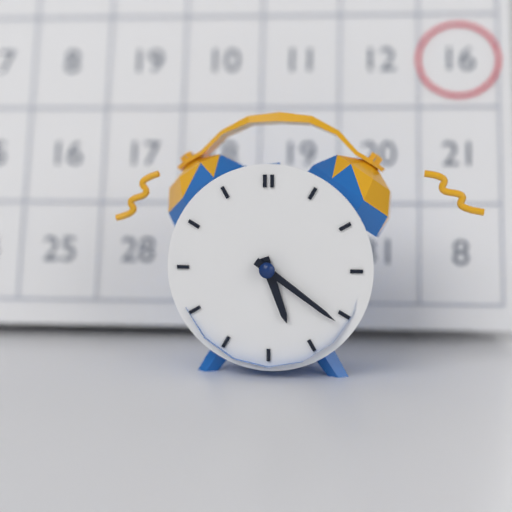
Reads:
5,21
